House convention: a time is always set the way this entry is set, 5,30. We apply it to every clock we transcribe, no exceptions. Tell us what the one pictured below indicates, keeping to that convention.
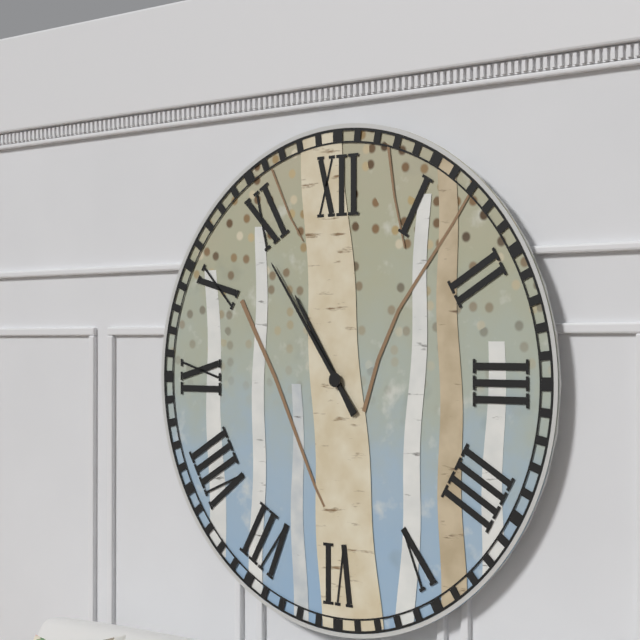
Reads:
10,54
